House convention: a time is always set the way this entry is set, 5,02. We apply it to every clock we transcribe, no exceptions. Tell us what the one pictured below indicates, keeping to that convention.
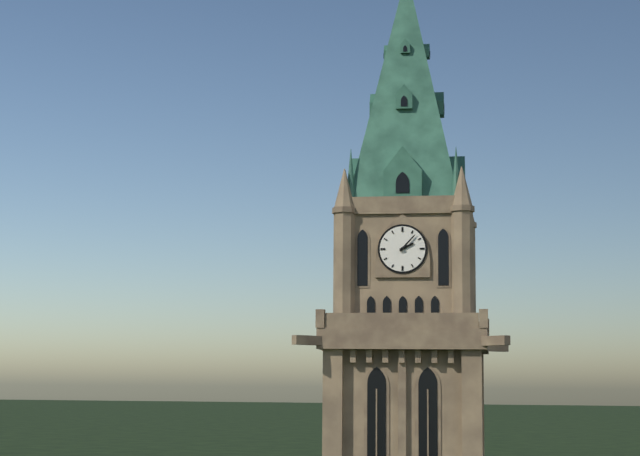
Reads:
2,07
